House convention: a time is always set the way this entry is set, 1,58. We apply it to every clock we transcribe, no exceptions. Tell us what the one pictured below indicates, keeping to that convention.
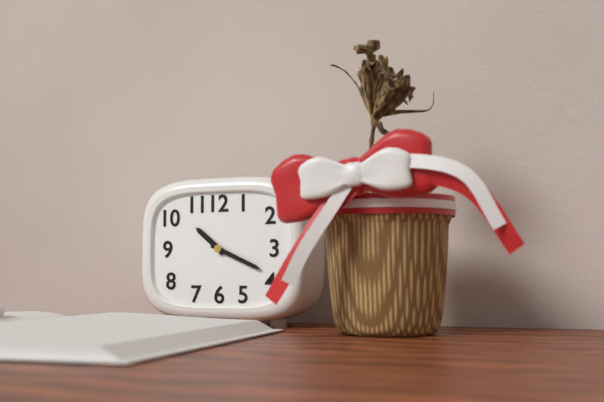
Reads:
10,19
